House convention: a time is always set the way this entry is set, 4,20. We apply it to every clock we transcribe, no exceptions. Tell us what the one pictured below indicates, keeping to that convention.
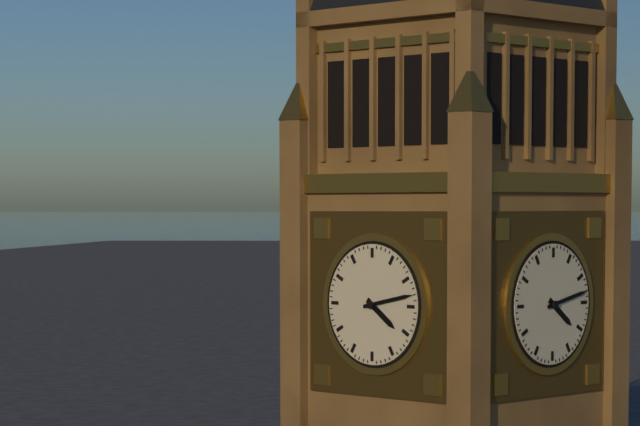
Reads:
4,13
